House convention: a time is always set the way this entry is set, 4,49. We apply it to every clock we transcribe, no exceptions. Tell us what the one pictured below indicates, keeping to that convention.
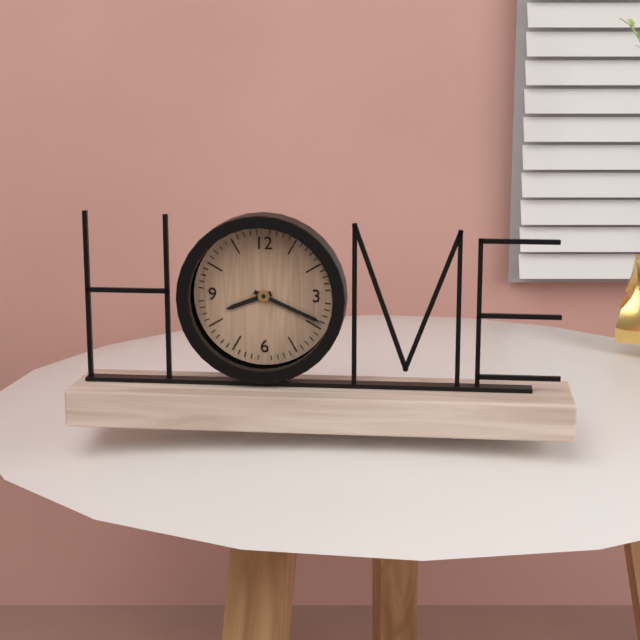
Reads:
8,19
